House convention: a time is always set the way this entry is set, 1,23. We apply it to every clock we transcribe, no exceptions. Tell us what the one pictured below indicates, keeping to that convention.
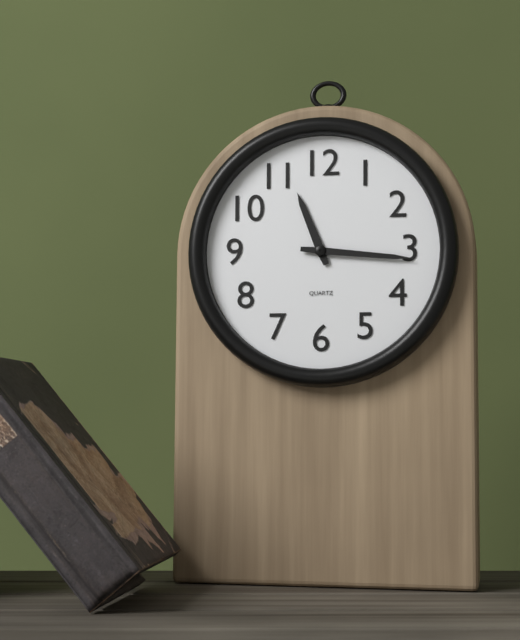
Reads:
11,16
